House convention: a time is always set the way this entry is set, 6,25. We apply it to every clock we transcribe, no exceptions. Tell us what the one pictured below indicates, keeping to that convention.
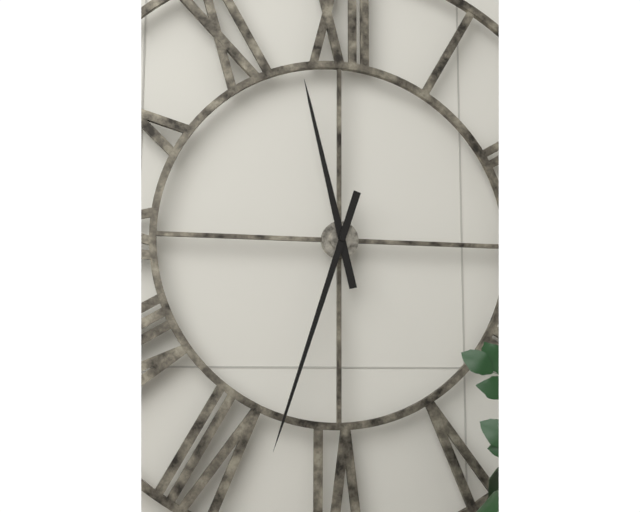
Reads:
11,33
